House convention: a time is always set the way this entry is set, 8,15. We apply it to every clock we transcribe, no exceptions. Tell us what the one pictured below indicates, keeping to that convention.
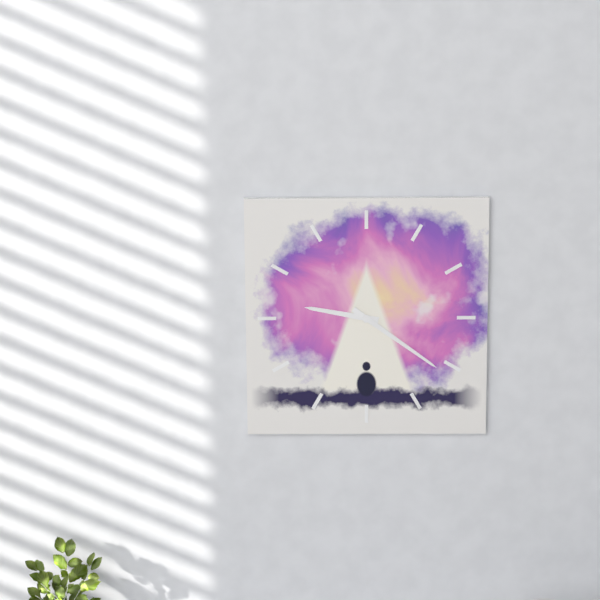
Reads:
9,21
